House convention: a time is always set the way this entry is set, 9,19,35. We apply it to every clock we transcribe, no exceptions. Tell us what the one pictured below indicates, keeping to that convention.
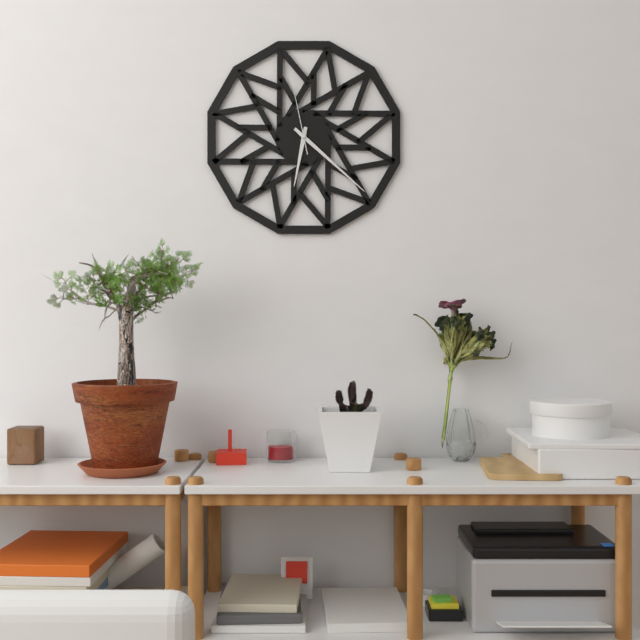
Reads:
6,22,58
